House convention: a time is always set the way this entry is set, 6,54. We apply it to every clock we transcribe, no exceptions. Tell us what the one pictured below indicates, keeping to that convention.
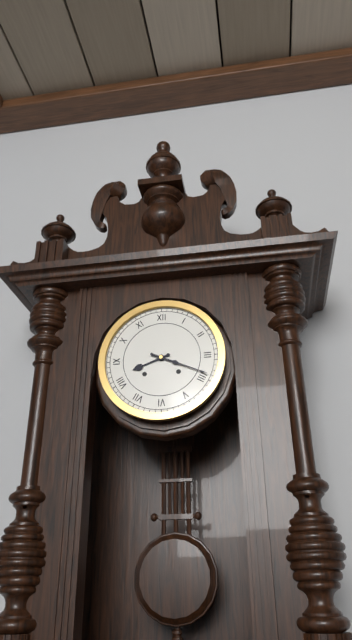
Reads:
8,19
